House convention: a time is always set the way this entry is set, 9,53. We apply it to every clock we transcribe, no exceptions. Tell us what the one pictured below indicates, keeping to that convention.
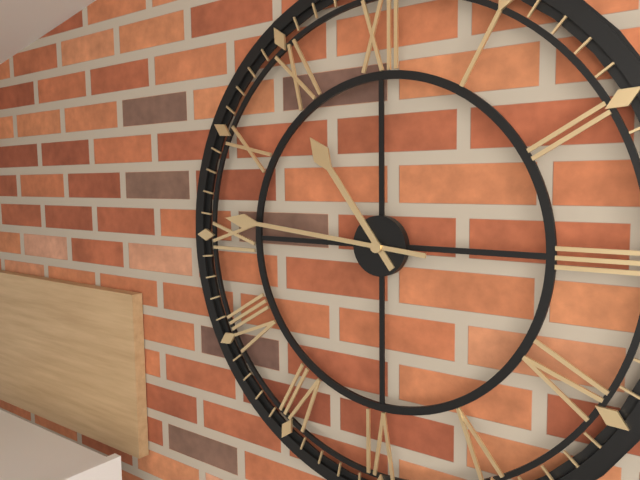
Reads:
10,46
